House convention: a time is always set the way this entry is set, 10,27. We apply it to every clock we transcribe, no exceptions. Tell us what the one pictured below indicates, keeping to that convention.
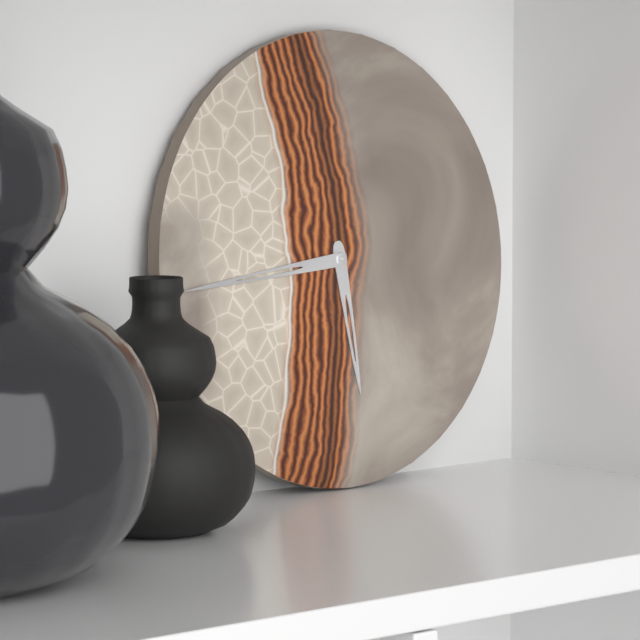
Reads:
5,44
